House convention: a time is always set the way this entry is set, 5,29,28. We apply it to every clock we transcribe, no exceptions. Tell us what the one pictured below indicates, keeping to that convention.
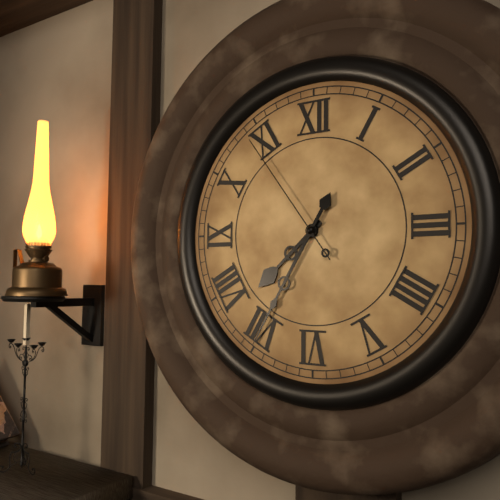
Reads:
7,35,54
